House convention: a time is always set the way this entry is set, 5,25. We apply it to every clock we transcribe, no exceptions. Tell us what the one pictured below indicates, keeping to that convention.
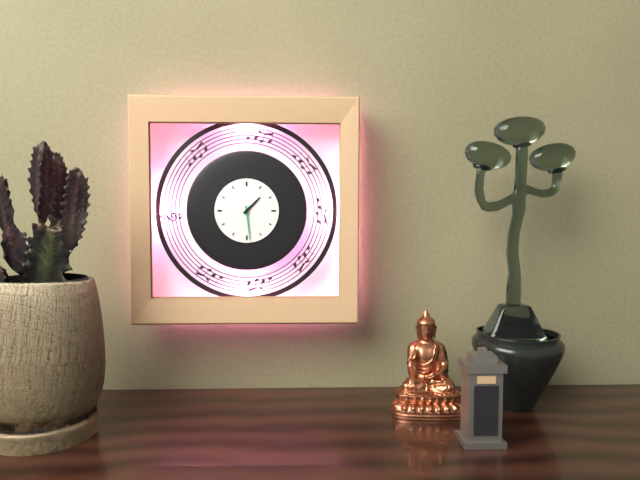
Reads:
1,29
